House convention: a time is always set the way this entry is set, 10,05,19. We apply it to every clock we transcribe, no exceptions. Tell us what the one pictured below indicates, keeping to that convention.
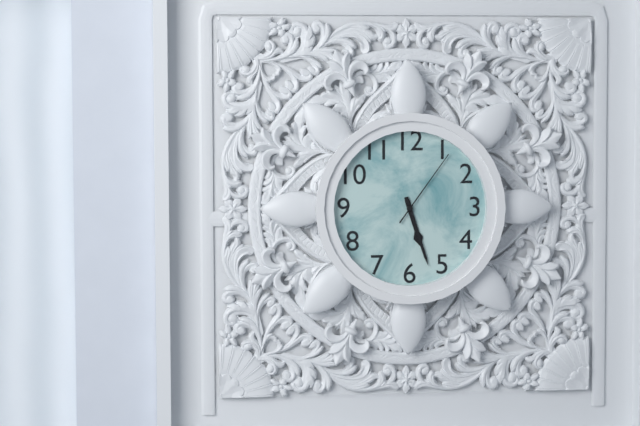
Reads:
5,27,06
